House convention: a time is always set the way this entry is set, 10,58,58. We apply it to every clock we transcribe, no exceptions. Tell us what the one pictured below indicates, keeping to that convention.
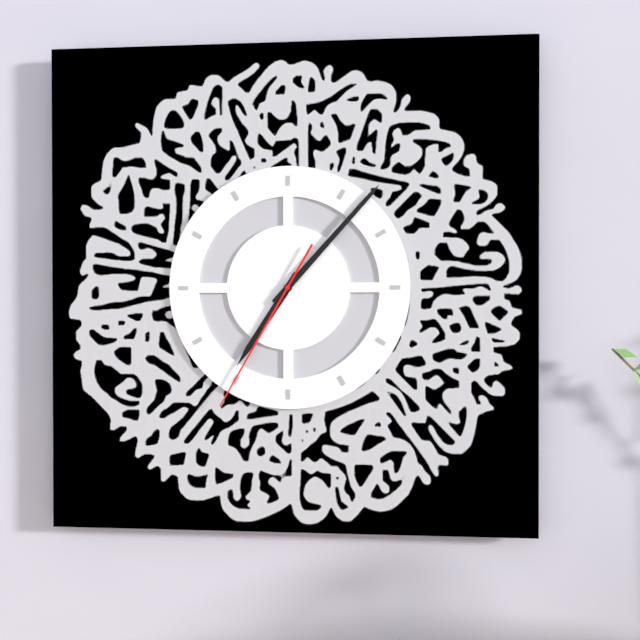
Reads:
7,07,35
